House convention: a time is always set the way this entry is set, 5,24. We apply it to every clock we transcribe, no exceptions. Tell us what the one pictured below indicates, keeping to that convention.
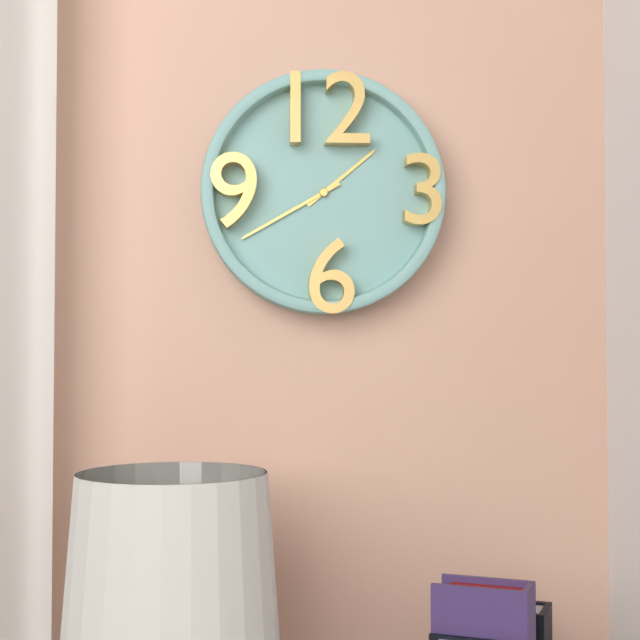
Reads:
1,40
